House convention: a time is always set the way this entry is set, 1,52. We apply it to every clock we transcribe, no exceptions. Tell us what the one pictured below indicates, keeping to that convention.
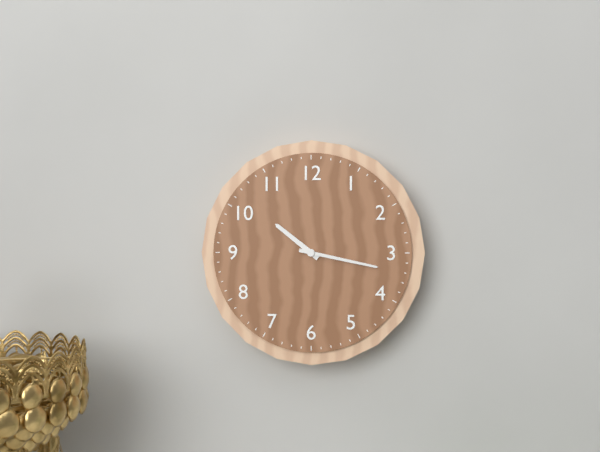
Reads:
10,17
